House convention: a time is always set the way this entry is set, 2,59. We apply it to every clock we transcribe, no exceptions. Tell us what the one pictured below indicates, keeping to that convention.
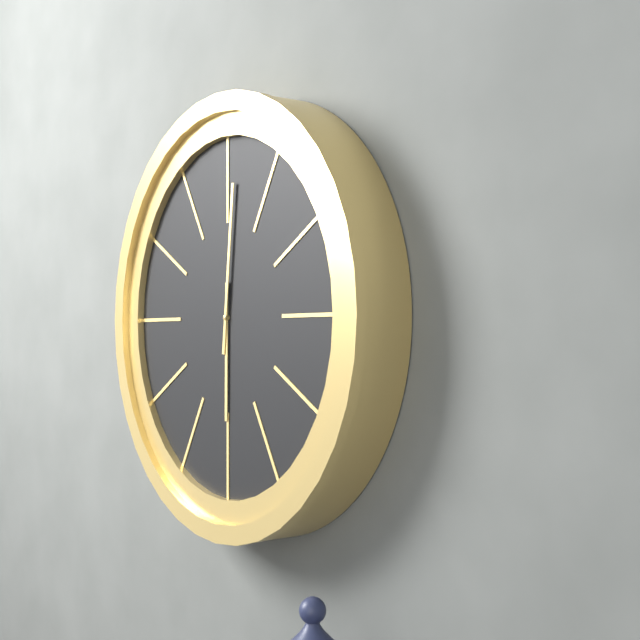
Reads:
6,01
